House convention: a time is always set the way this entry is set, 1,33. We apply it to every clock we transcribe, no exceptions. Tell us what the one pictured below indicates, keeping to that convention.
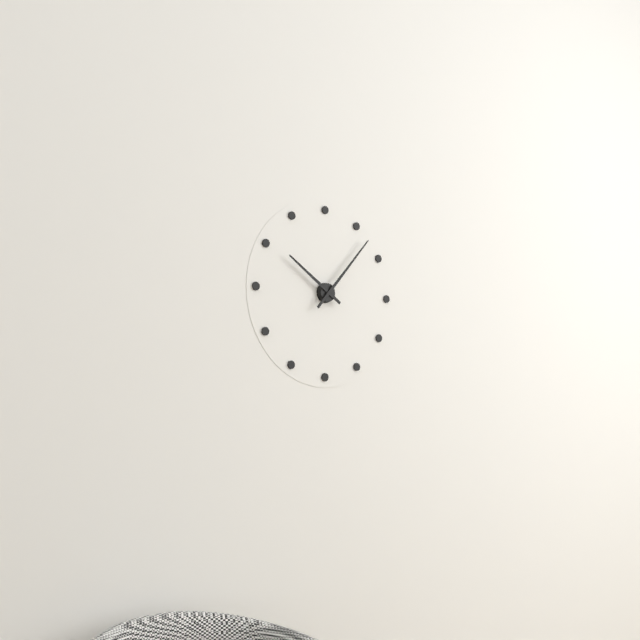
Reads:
10,07
